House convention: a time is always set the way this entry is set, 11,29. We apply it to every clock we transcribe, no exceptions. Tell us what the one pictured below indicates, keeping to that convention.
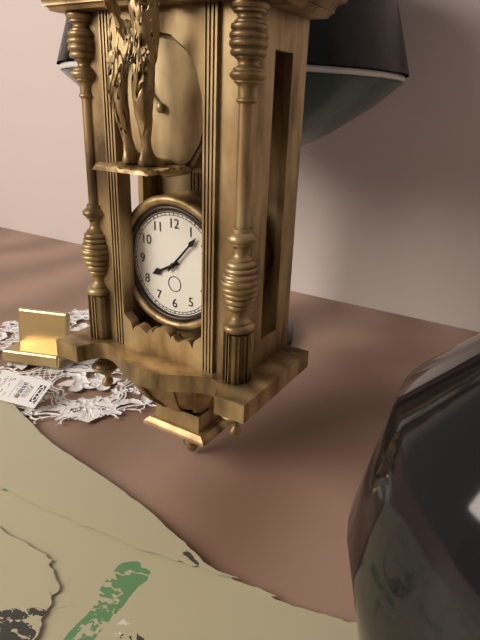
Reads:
8,07
